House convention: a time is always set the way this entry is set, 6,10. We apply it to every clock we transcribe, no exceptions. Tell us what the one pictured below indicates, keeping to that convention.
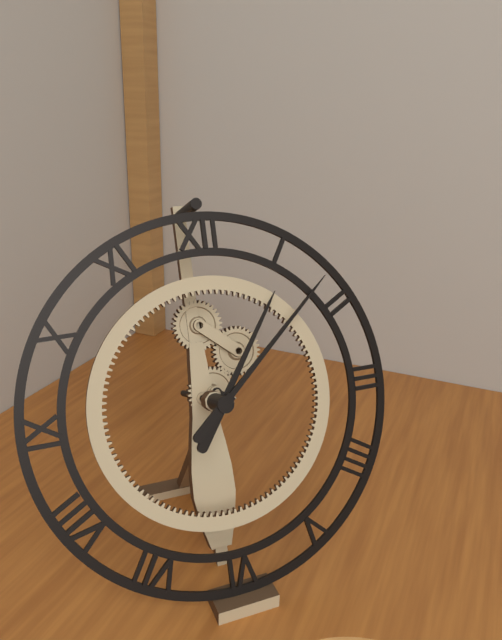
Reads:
1,08
